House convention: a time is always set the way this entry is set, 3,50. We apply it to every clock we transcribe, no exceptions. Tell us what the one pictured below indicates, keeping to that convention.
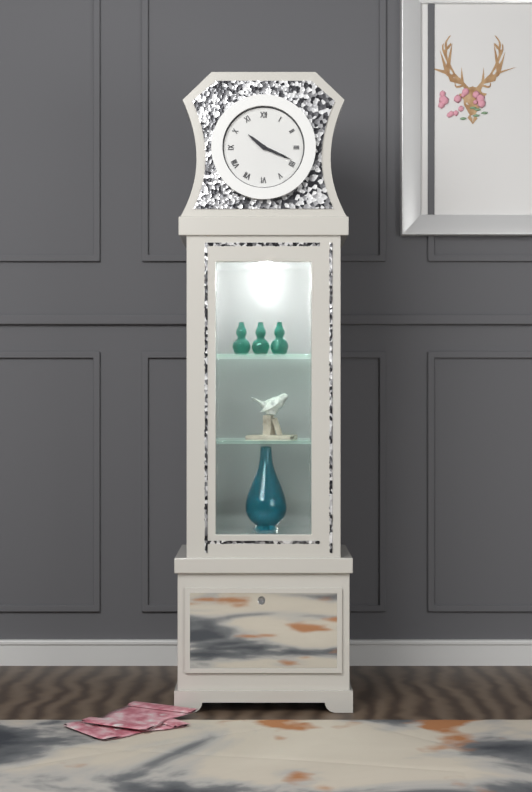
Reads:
10,19
